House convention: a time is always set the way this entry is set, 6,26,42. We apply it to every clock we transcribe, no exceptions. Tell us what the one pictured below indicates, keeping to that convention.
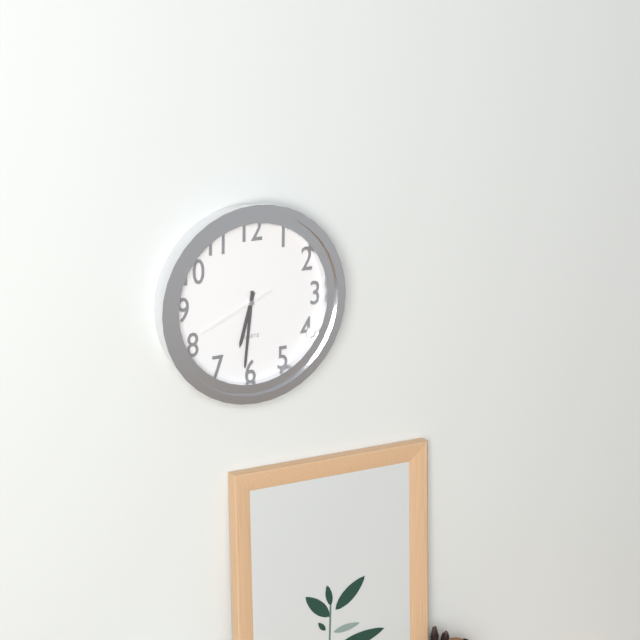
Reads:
6,31,41
